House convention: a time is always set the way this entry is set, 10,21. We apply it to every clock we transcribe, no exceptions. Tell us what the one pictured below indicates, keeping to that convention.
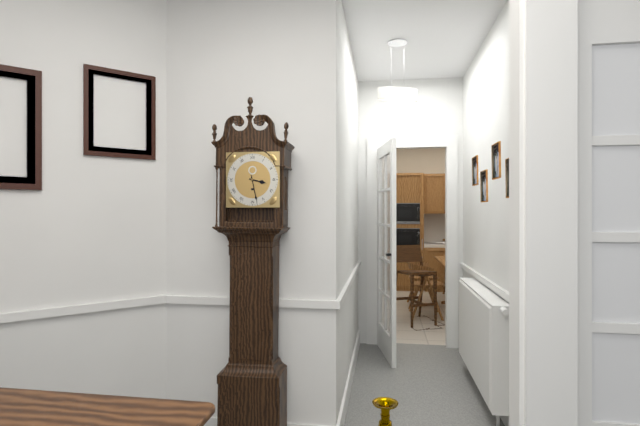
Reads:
3,28
